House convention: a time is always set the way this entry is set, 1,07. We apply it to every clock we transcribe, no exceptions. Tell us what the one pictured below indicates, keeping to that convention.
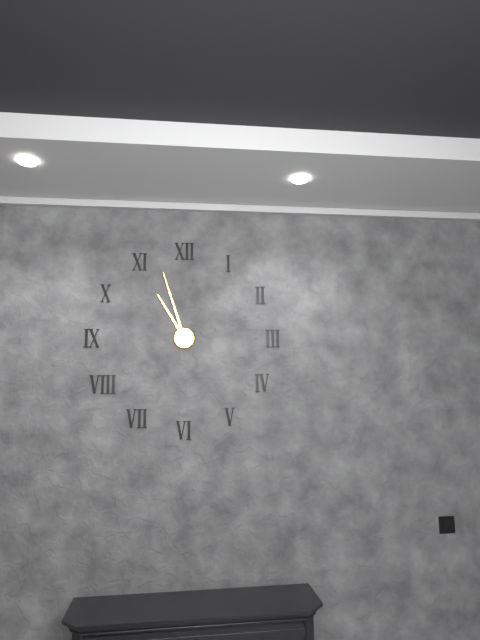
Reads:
10,57
